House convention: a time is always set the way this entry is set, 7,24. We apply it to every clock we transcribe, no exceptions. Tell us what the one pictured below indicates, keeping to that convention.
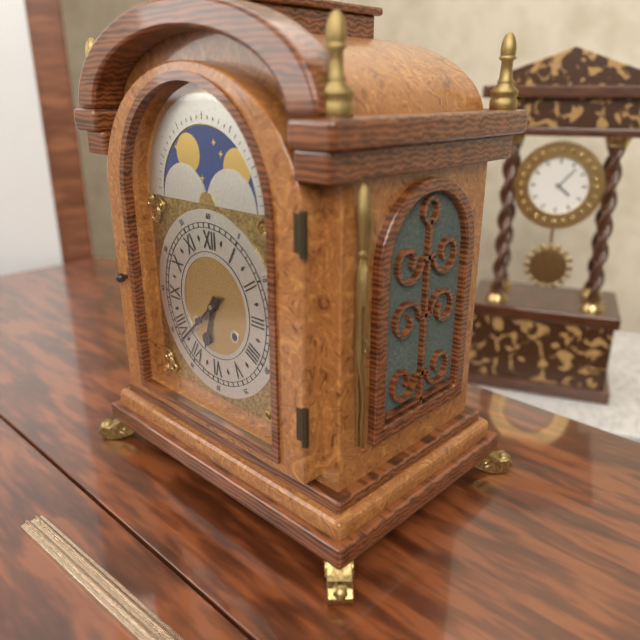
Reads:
6,38
